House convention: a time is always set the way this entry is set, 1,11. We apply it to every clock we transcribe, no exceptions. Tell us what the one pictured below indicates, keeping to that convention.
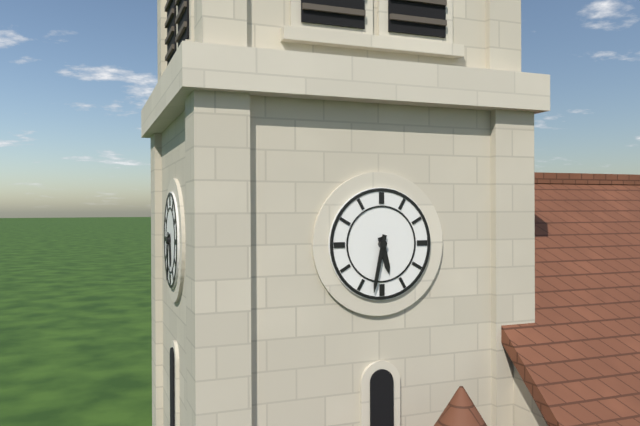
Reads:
5,32
